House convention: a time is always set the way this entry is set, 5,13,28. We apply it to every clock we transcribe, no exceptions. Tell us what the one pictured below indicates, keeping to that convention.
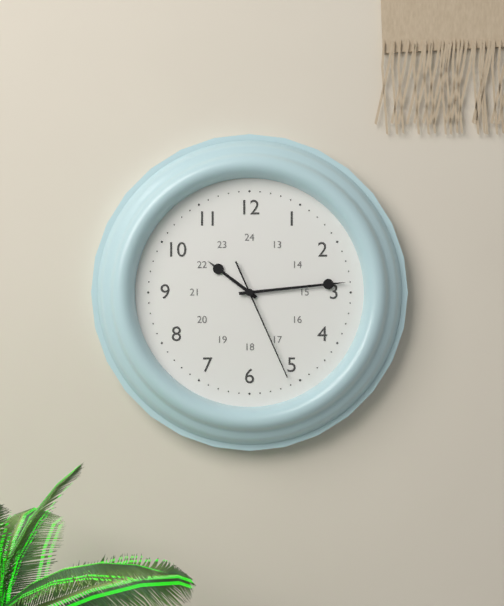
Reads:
10,14,26
